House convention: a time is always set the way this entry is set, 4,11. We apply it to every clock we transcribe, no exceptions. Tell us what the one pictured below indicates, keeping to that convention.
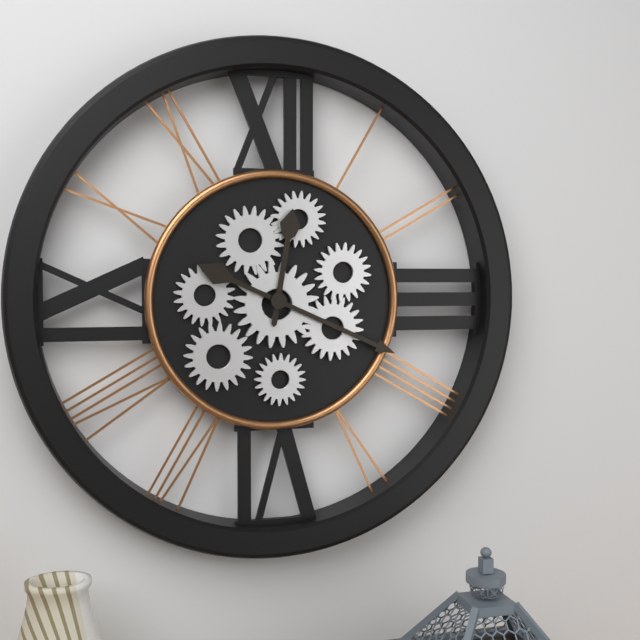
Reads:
12,19
